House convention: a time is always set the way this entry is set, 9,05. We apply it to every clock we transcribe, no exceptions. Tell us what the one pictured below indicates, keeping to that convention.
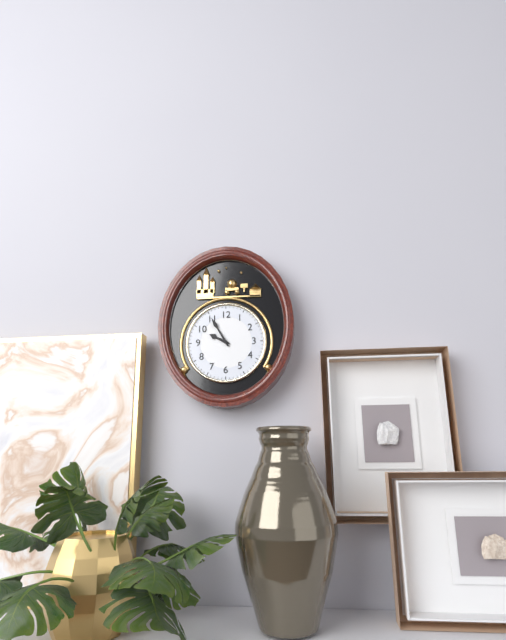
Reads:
9,55
